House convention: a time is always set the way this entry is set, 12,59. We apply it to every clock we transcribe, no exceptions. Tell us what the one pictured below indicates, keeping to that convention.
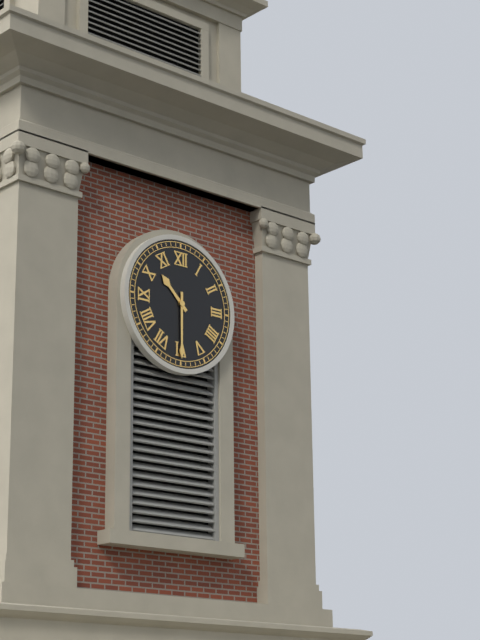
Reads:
10,30
